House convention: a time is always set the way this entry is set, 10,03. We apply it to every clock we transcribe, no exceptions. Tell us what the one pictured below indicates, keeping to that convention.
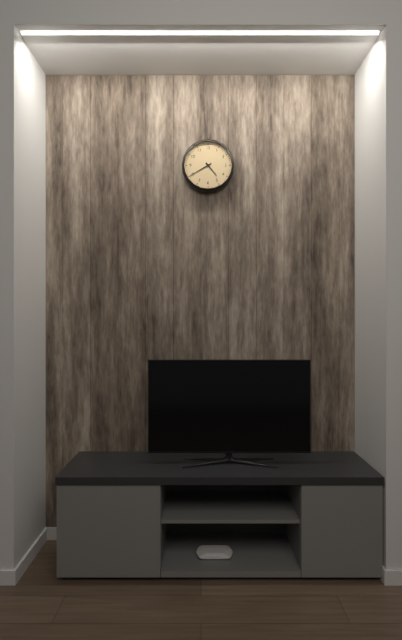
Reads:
4,40
